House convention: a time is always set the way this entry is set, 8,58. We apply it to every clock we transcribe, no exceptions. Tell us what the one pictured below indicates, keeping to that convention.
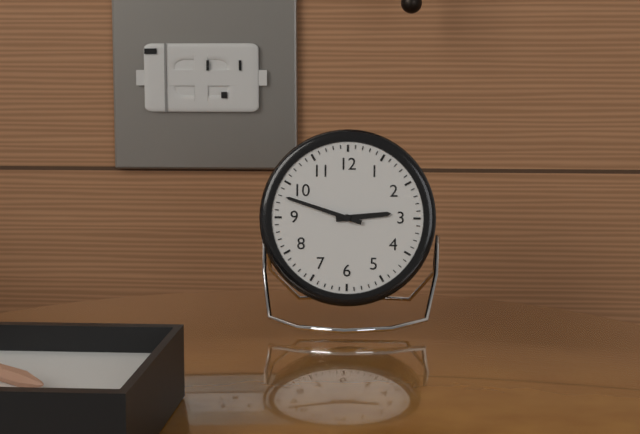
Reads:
2,48
